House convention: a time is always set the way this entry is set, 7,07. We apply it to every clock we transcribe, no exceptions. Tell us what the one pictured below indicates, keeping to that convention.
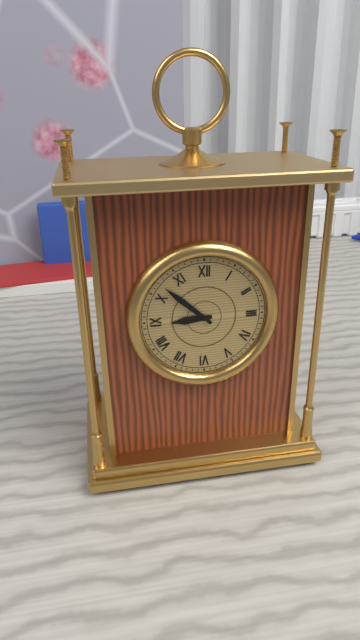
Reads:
8,52
